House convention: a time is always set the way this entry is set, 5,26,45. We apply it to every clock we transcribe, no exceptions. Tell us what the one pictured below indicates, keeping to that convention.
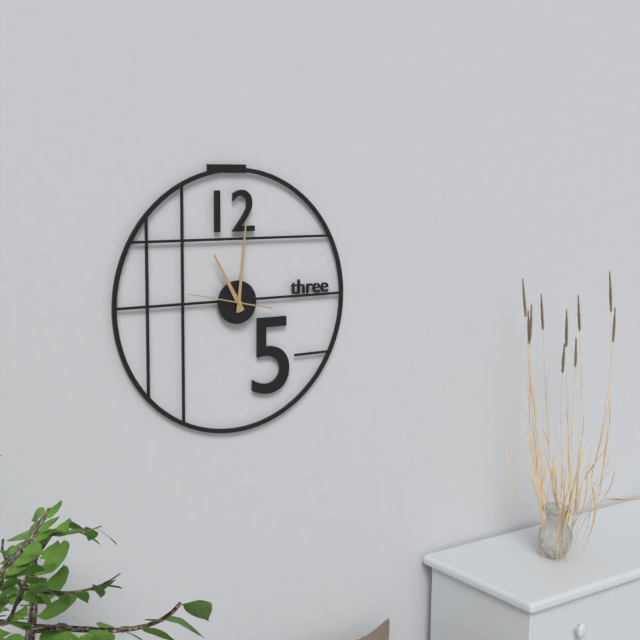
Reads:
11,01,47
